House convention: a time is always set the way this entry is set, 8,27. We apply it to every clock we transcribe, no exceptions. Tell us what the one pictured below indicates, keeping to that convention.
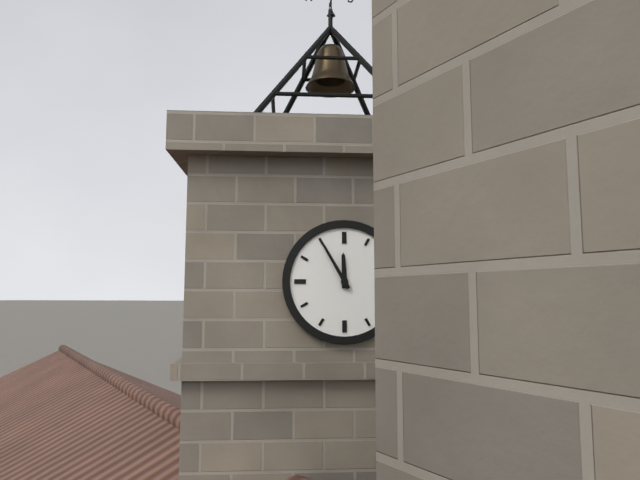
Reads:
11,55
